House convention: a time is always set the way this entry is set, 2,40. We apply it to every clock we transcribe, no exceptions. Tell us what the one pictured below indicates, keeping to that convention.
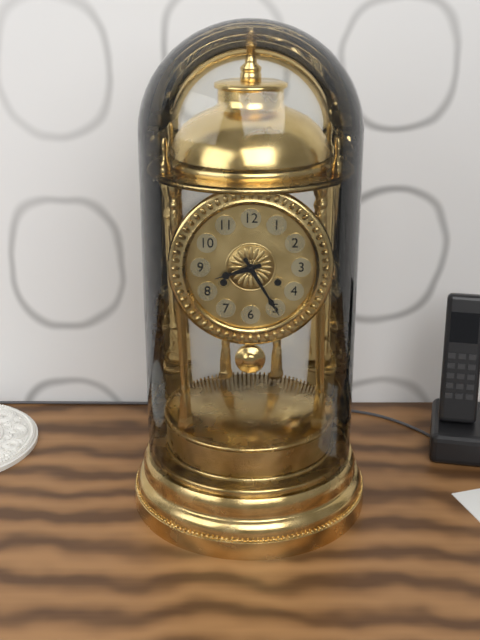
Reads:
8,25
